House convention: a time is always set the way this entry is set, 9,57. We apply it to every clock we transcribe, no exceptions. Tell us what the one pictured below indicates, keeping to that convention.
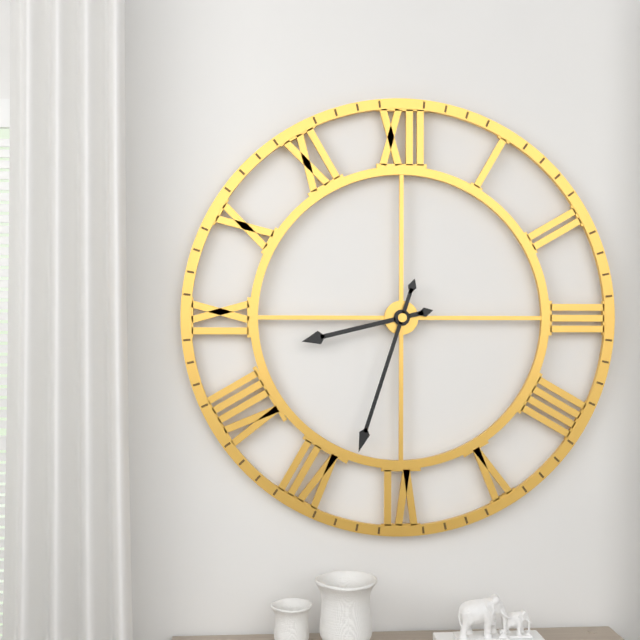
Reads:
8,33
